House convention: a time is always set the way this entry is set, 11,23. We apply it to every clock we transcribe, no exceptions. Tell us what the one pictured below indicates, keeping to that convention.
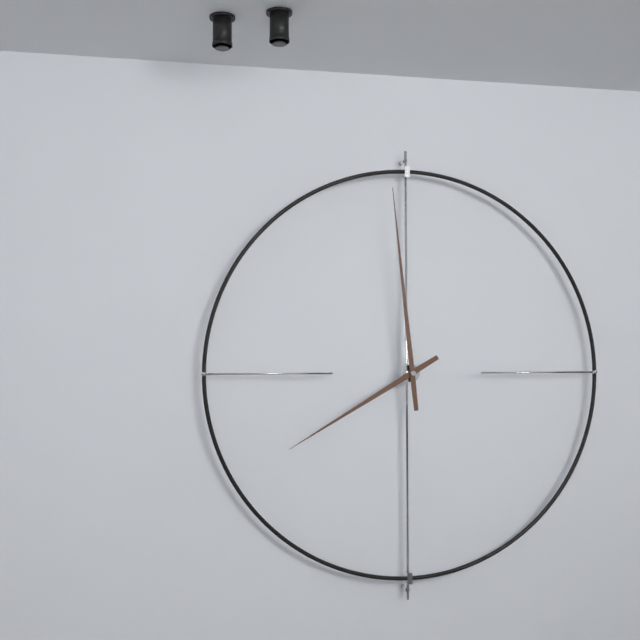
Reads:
7,59
